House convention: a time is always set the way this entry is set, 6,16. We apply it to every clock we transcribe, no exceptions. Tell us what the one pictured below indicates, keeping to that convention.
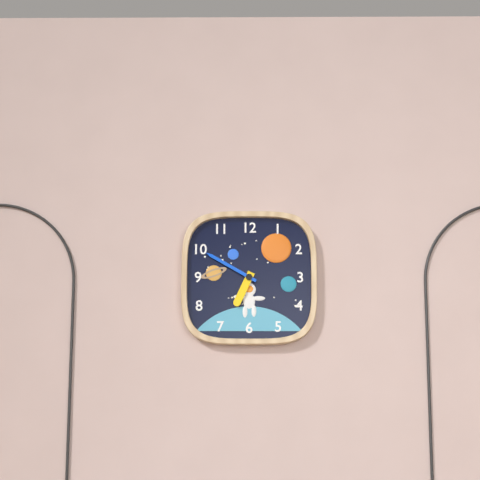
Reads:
6,50
